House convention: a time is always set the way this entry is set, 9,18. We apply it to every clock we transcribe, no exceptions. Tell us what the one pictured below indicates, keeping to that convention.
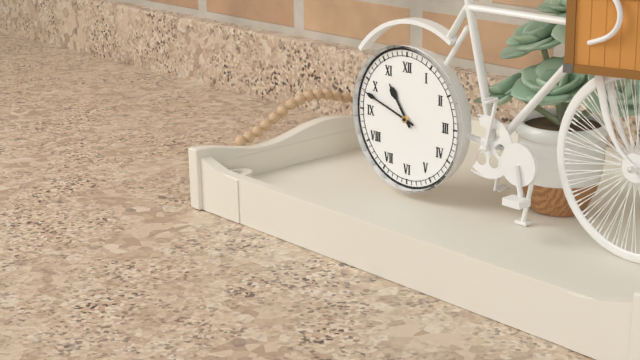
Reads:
10,48
